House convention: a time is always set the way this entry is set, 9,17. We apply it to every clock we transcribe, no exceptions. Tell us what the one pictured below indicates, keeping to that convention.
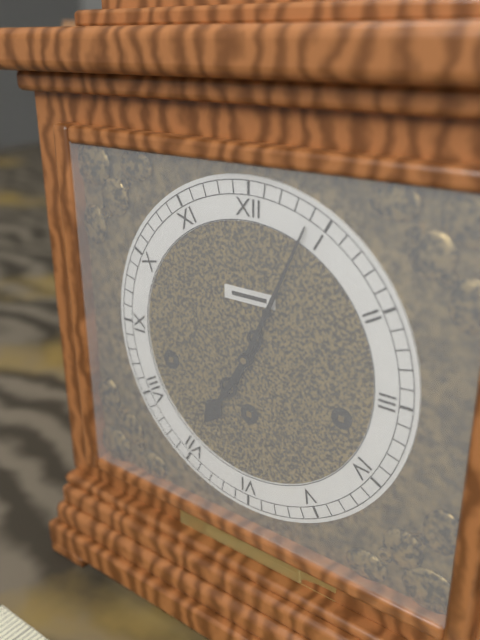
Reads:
7,04
